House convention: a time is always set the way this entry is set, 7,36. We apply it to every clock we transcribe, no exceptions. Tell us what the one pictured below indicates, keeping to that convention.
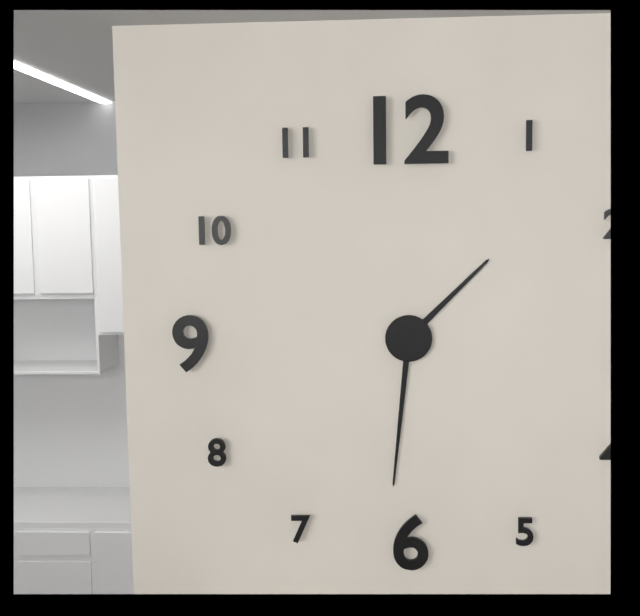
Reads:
1,31
